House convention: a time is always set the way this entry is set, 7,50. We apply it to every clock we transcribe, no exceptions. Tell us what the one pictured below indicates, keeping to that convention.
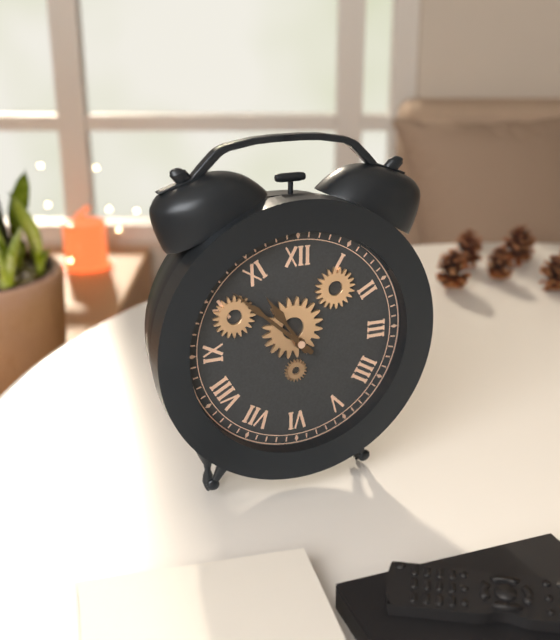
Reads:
10,52
